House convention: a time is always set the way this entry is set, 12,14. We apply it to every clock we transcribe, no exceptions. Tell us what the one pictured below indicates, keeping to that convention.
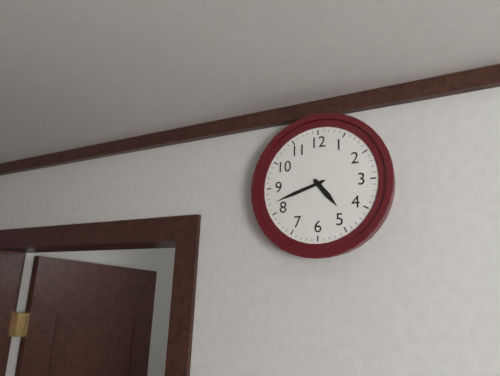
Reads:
4,42
